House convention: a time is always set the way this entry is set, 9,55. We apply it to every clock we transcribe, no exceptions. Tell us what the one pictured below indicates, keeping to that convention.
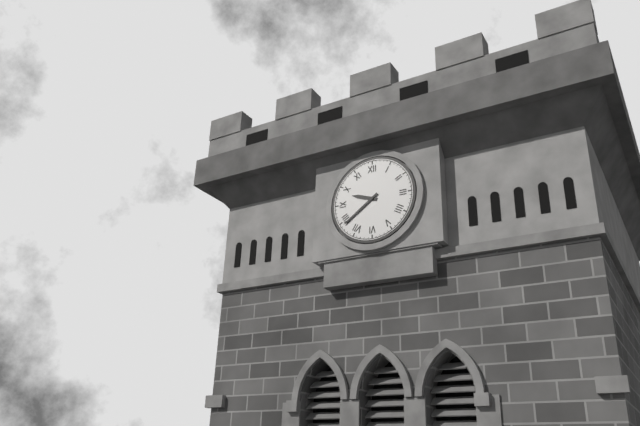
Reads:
9,39
